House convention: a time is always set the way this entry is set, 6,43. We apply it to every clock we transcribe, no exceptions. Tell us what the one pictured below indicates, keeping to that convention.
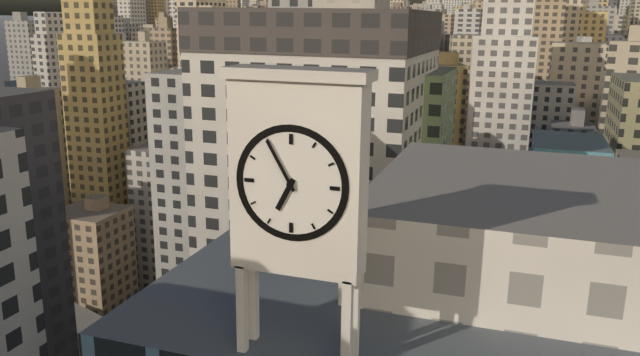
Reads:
6,55
